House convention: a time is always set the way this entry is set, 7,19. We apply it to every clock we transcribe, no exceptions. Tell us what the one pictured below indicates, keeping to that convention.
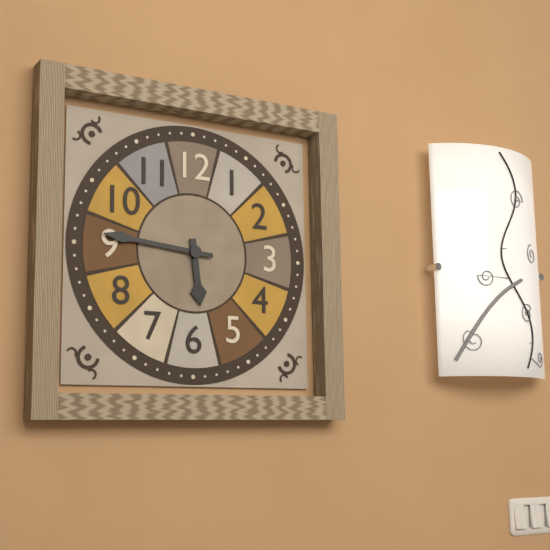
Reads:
5,46
